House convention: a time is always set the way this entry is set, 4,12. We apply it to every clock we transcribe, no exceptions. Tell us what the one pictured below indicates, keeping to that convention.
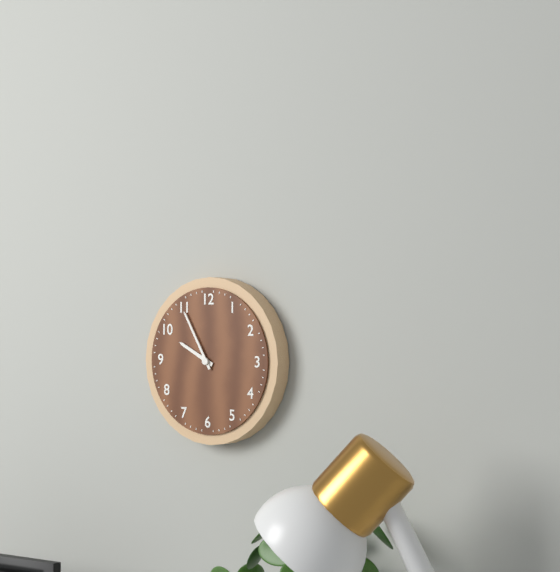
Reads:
9,55
